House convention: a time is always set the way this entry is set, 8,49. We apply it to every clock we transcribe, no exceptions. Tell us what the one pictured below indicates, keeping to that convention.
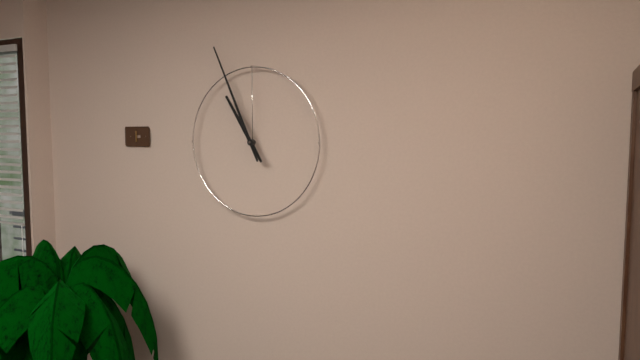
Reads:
10,56
